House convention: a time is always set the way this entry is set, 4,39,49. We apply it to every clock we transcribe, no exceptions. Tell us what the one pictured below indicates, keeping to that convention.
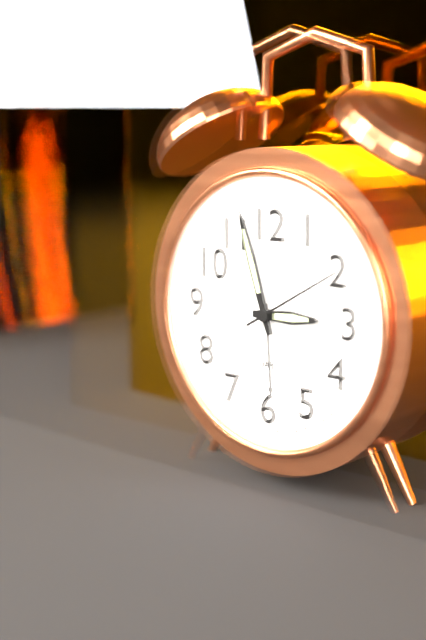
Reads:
2,57,10
